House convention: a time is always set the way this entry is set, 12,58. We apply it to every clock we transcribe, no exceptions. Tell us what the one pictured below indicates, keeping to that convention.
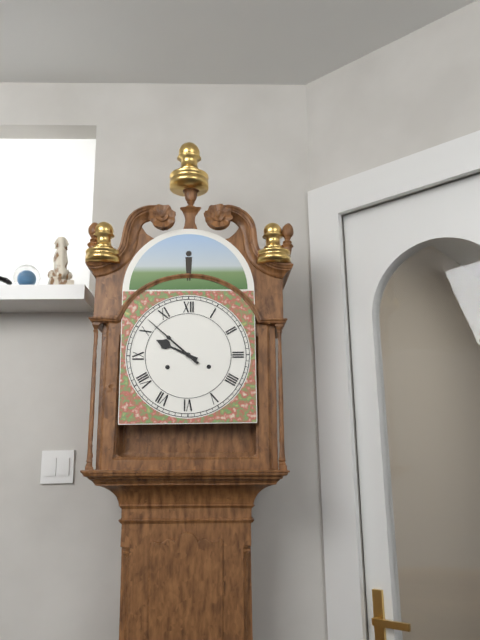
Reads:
9,52
